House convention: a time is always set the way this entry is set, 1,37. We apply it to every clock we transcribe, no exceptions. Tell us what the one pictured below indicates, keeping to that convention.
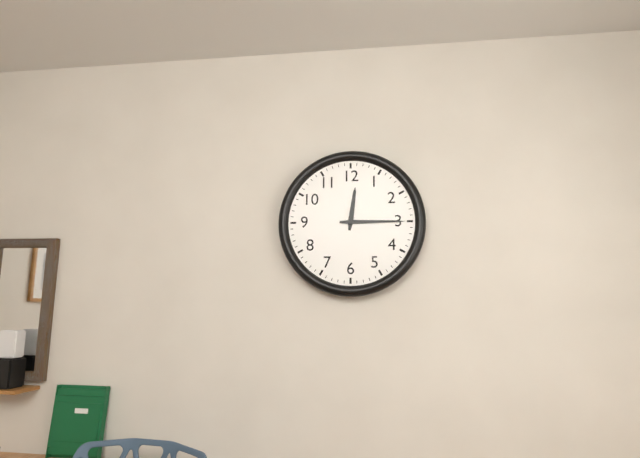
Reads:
12,15
